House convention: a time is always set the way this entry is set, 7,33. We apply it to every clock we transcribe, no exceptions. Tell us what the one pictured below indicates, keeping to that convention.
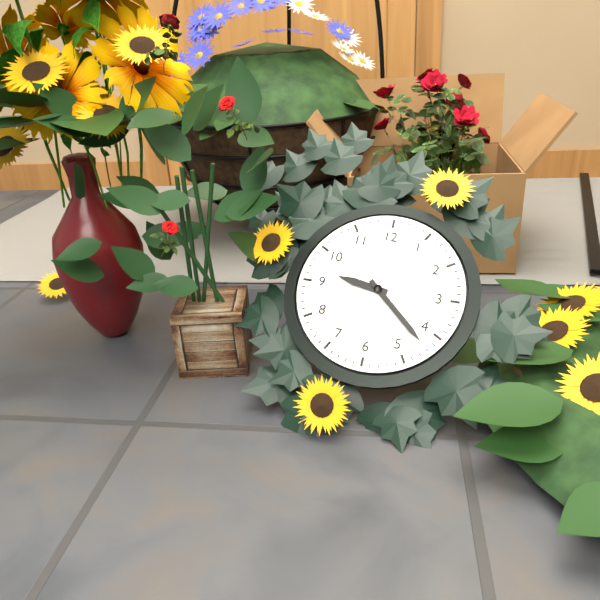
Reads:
9,22
